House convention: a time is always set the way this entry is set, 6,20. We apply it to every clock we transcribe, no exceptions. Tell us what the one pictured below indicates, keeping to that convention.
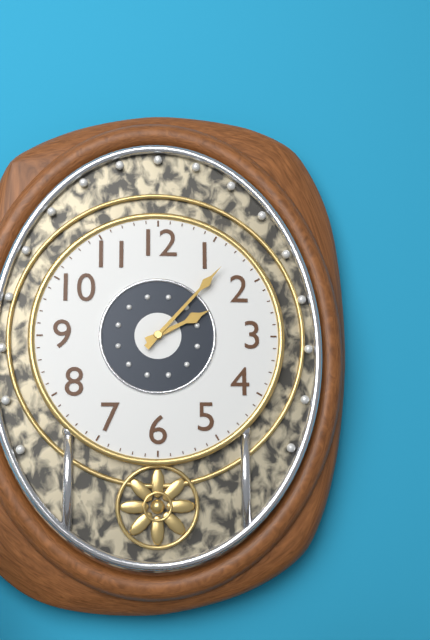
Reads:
2,07
